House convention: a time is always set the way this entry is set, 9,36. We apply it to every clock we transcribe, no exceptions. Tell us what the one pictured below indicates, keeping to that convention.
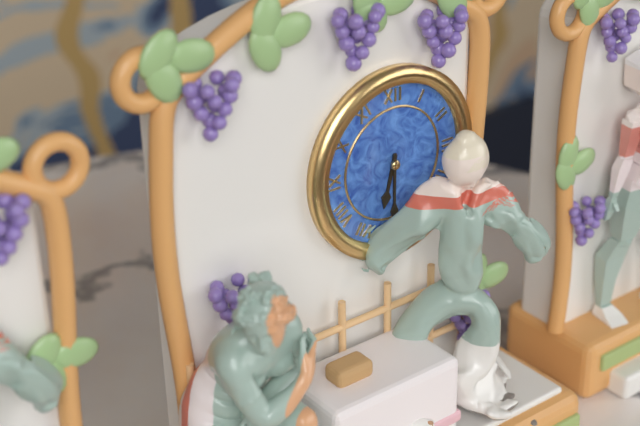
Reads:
6,30
